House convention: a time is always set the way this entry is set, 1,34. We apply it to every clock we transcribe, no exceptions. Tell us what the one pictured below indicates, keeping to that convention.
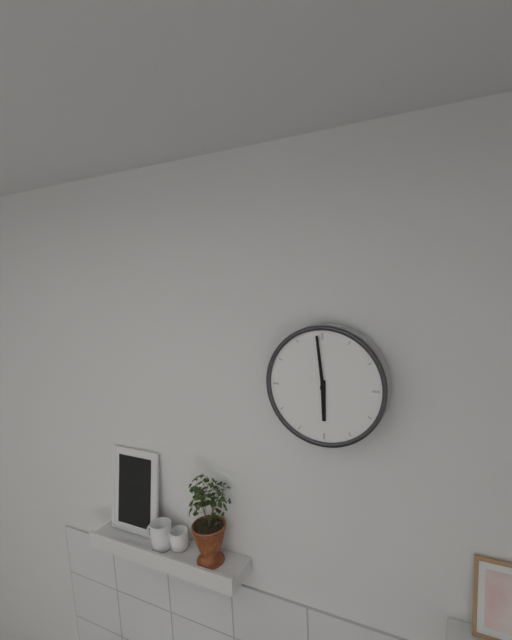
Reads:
5,59
